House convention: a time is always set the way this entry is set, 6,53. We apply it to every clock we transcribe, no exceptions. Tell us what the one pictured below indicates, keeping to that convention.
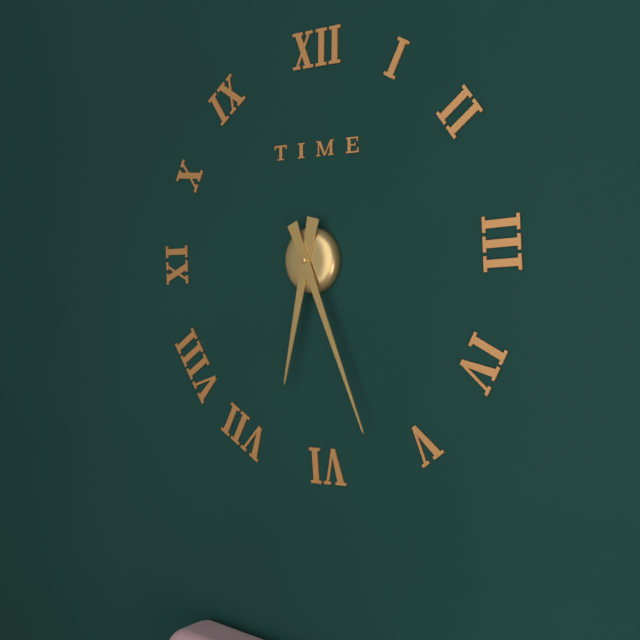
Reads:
6,26
